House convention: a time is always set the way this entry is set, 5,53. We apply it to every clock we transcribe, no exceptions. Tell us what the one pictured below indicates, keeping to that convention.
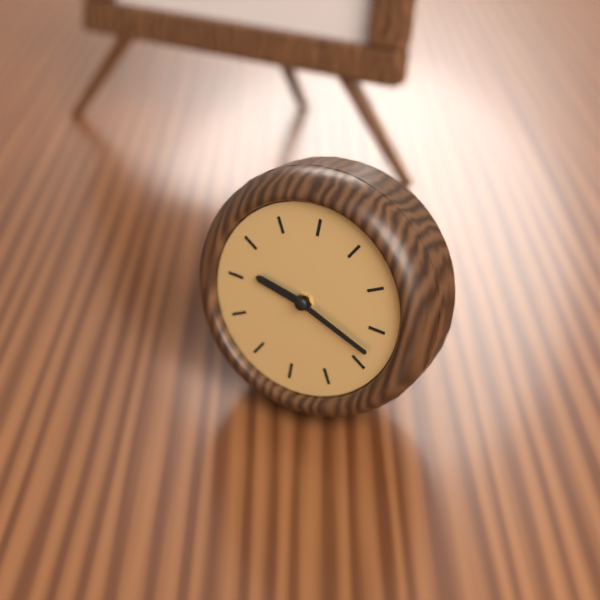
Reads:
9,18
